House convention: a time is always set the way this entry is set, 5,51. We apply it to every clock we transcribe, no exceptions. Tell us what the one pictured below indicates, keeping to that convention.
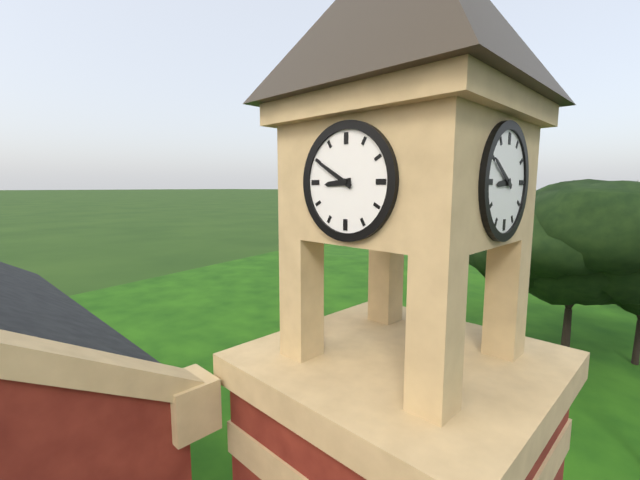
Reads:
8,50
